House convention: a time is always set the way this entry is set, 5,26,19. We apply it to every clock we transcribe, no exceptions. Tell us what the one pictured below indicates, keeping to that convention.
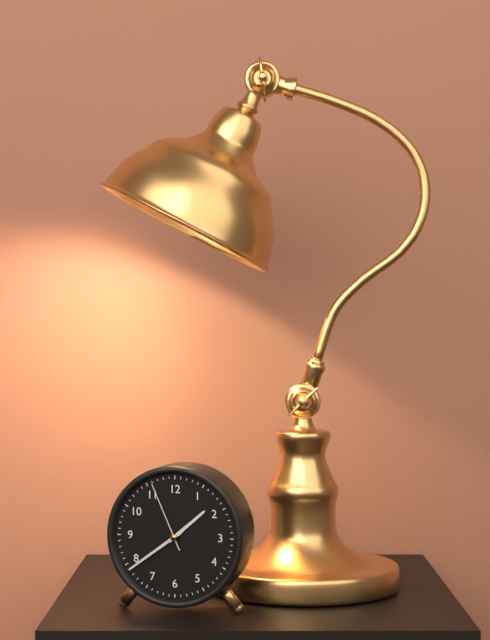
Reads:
1,39,56
